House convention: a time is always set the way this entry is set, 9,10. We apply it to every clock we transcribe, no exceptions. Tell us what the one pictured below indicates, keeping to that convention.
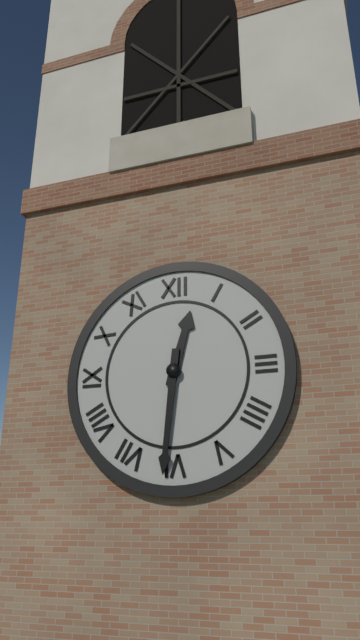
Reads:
12,31
